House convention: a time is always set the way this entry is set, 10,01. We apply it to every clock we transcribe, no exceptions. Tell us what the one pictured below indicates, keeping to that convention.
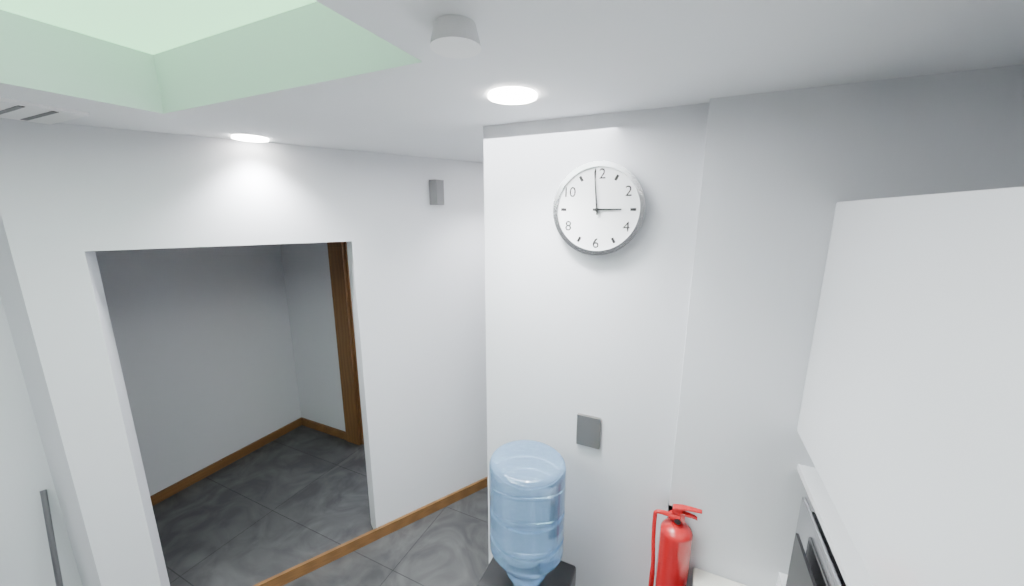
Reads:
2,59
